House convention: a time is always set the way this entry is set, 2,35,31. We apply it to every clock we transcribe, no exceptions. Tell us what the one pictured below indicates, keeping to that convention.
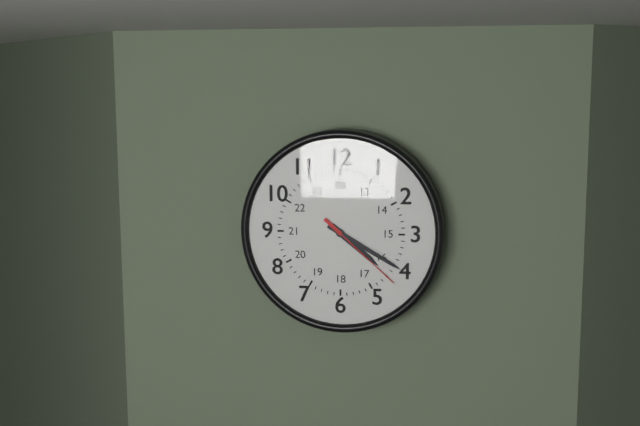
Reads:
4,20,22
